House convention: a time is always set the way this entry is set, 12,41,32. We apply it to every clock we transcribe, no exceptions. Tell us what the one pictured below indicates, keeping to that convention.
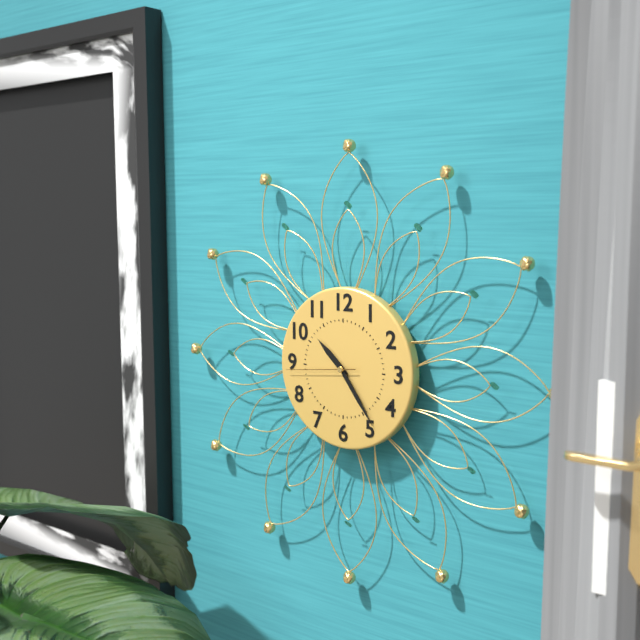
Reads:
10,24,44
